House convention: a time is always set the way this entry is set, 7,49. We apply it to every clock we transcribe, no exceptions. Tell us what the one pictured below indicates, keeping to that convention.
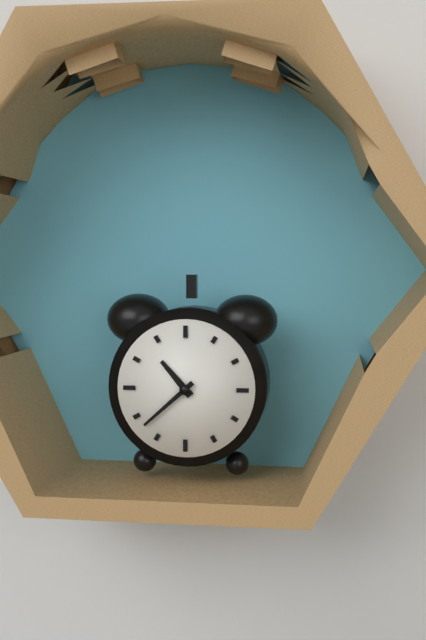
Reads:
10,38
